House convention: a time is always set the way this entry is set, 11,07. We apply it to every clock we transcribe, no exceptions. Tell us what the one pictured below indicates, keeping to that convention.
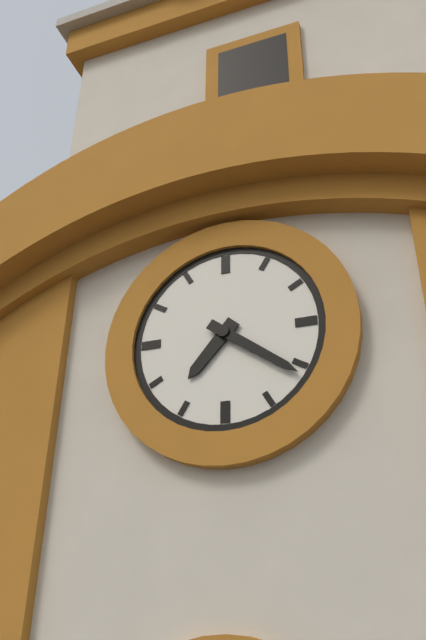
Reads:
7,21
